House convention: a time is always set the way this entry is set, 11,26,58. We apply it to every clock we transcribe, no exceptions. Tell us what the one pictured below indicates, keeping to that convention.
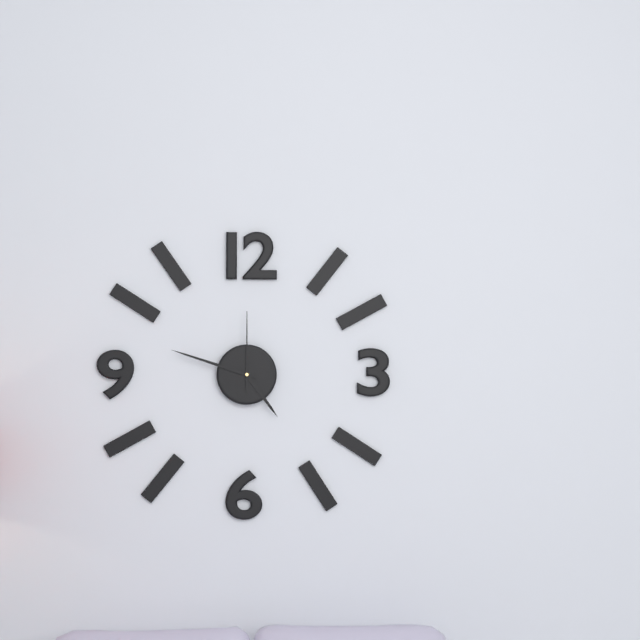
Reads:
4,48,00
